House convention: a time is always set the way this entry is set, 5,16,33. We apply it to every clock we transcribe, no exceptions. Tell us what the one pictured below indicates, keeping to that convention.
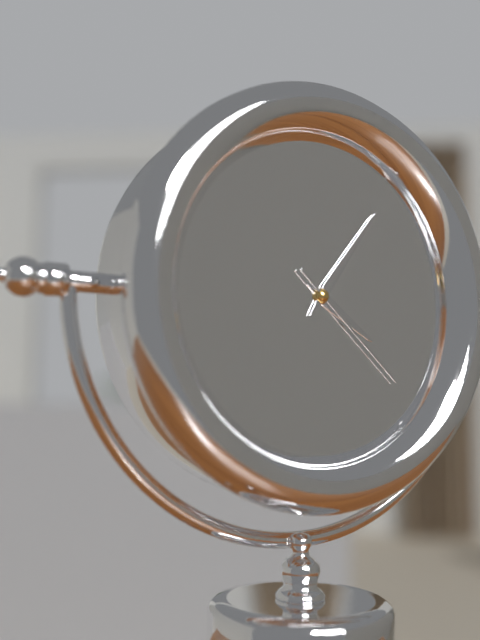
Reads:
4,06,22
